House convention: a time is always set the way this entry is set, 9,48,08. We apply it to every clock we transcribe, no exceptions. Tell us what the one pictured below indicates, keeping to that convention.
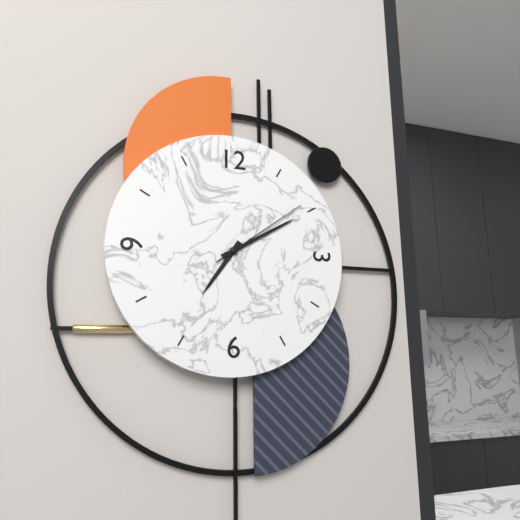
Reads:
7,10,09
